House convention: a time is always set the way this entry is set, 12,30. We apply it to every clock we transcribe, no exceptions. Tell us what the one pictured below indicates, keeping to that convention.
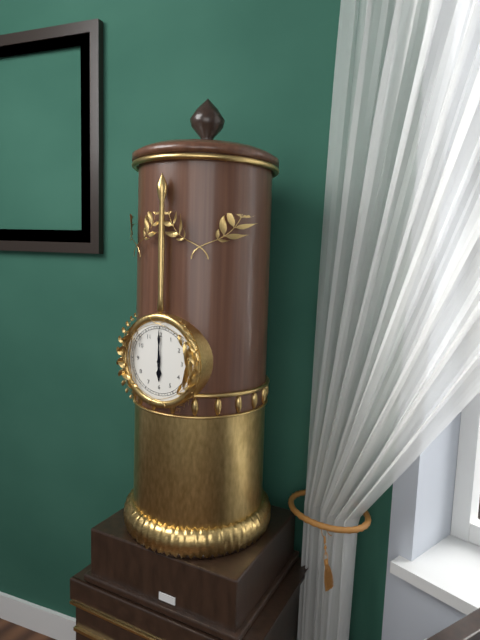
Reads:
6,00
